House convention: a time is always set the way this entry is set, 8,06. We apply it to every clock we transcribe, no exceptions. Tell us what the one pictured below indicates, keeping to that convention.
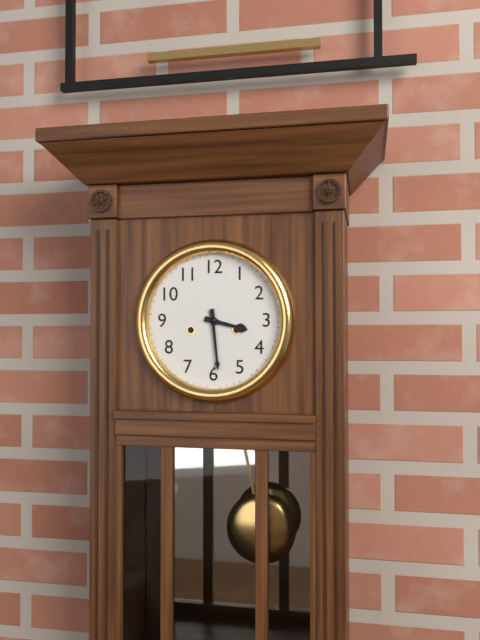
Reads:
3,29
